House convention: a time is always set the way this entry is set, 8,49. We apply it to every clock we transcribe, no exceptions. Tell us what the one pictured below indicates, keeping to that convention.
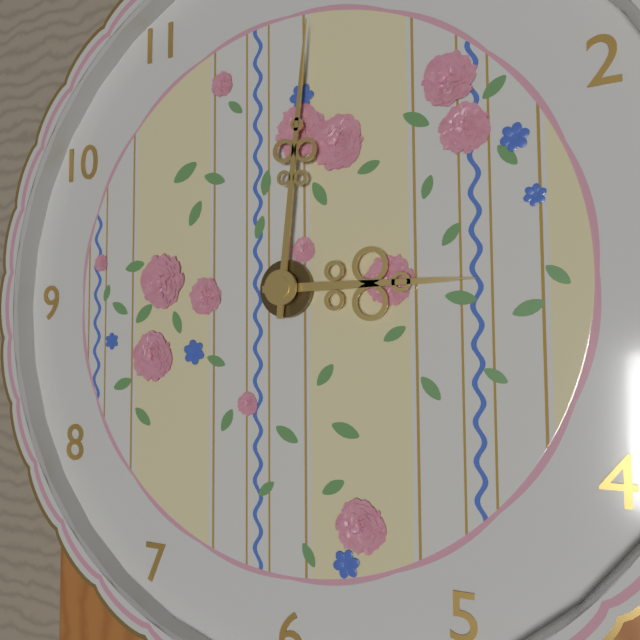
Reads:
3,01
